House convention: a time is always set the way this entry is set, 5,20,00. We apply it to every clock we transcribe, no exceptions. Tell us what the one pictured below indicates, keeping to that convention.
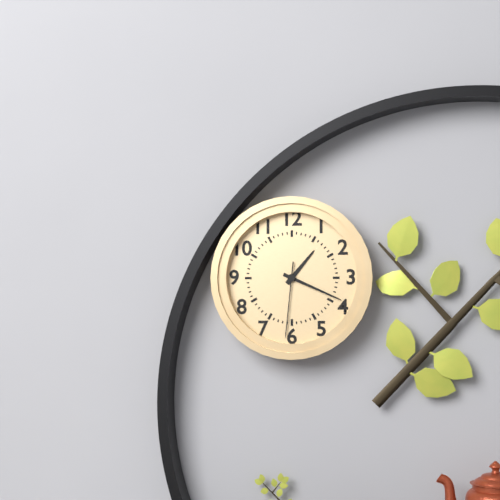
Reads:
1,19,31
